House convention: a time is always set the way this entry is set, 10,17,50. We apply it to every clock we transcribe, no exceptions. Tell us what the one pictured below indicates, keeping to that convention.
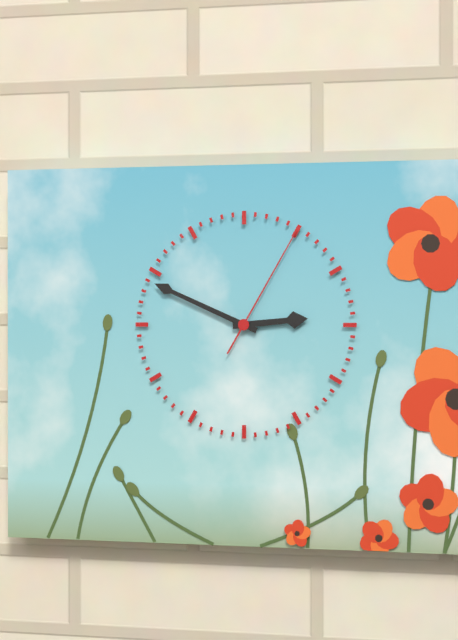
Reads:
2,49,05
